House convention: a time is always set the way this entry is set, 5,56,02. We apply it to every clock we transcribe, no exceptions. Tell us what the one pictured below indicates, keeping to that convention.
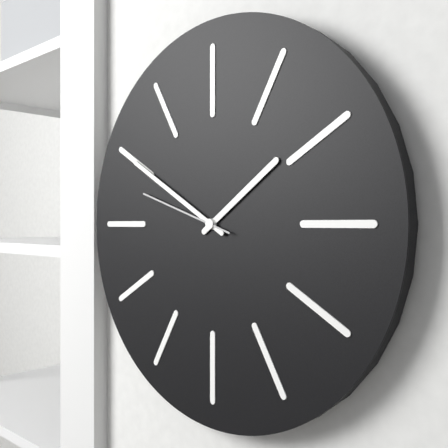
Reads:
1,50,48
